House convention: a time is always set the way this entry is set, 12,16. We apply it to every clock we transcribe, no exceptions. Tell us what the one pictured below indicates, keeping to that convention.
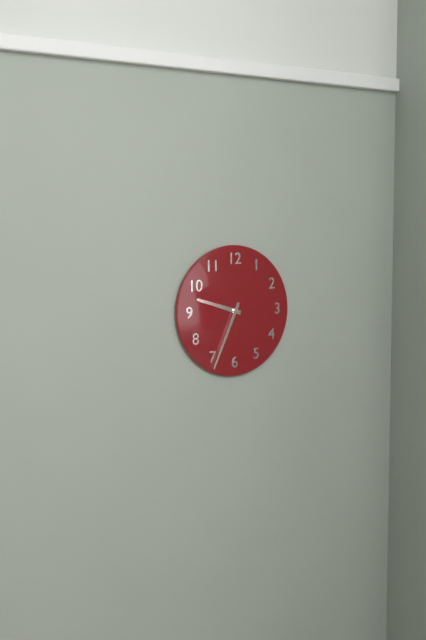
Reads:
9,34
